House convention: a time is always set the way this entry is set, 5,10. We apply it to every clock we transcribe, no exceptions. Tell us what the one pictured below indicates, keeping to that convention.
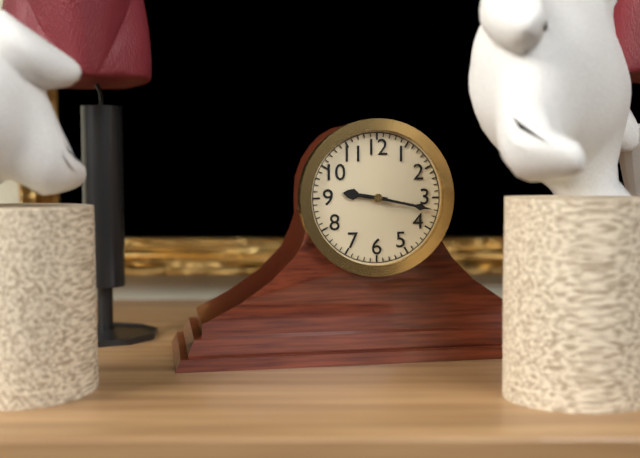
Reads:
9,17
